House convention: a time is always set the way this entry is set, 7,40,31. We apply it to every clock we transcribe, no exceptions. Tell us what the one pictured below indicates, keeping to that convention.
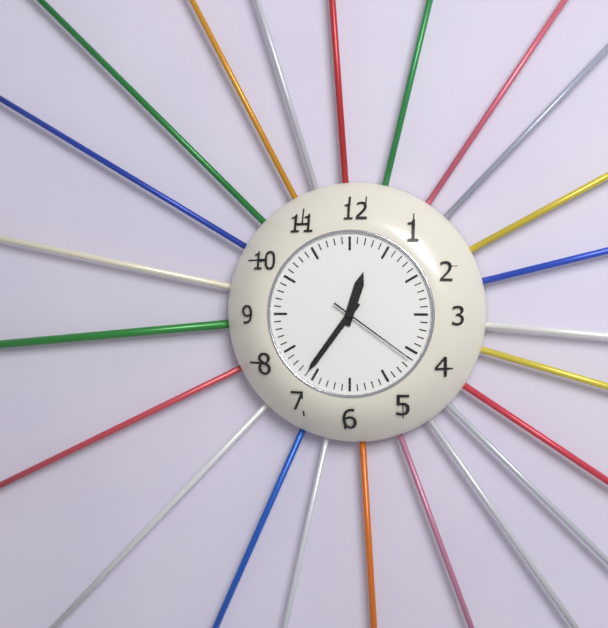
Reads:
12,36,21
